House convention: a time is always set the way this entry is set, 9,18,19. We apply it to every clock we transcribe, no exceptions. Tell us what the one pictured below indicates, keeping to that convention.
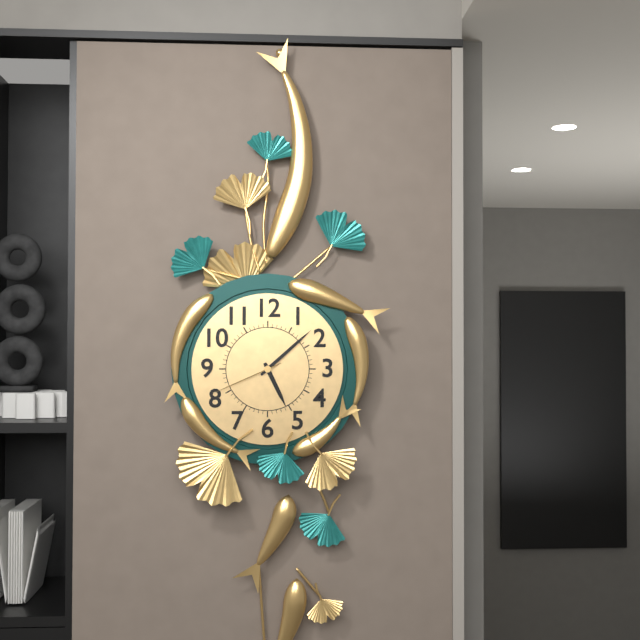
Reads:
5,08,41
